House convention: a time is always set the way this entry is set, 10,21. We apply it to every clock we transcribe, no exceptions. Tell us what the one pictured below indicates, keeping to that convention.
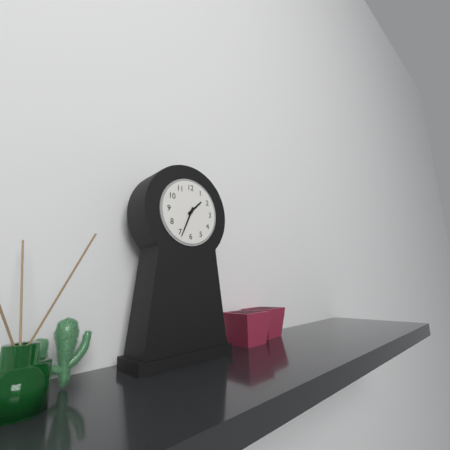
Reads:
1,34
